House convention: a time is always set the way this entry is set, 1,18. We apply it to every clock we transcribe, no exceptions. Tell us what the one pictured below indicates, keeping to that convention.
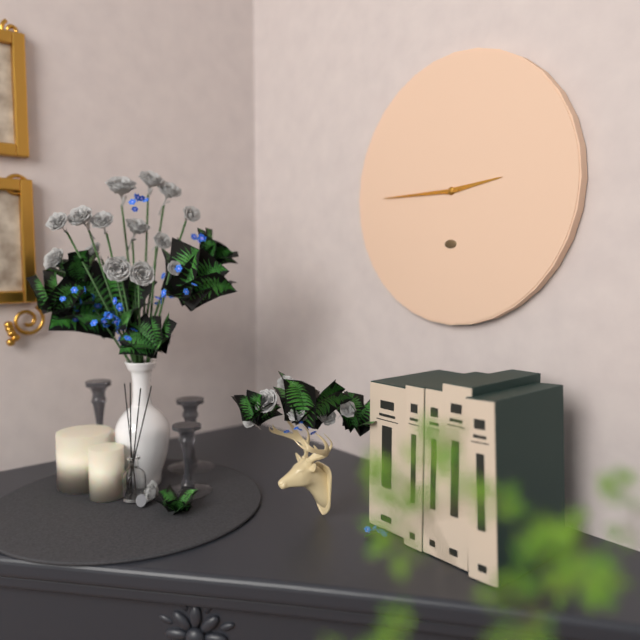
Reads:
2,45
